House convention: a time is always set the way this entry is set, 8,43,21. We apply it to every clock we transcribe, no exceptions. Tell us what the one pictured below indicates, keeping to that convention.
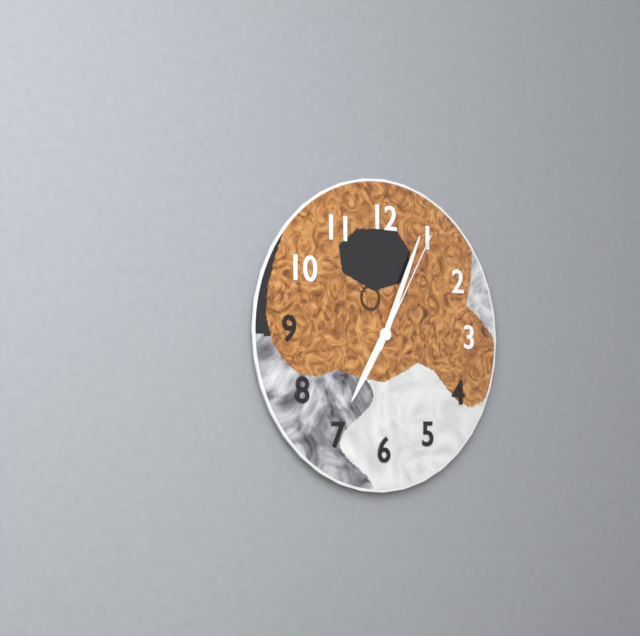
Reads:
7,04,05
